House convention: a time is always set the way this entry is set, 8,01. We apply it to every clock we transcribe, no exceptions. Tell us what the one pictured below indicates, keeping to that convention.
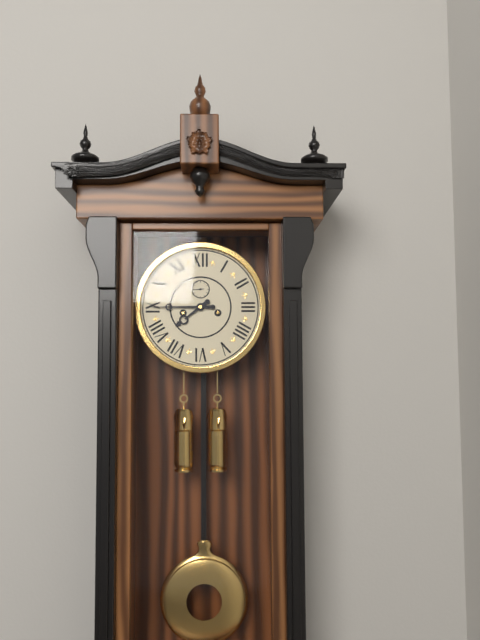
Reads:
7,45
